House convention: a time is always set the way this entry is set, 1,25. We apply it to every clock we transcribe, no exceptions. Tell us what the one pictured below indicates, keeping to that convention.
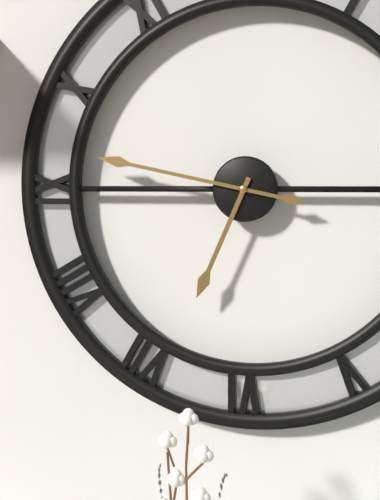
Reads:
6,47
